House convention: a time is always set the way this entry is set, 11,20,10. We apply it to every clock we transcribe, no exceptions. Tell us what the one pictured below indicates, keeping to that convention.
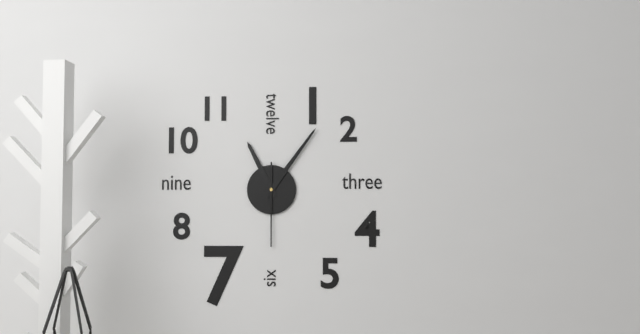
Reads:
11,06,30
